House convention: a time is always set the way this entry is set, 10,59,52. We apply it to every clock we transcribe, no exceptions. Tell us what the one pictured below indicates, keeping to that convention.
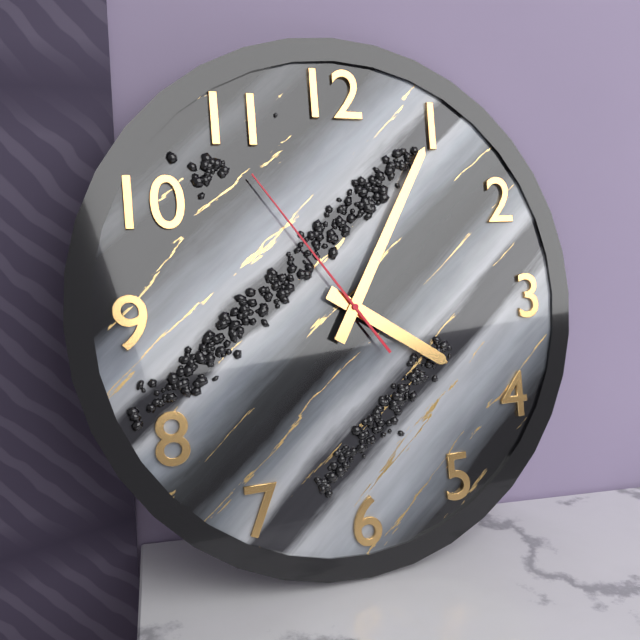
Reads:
4,05,54
